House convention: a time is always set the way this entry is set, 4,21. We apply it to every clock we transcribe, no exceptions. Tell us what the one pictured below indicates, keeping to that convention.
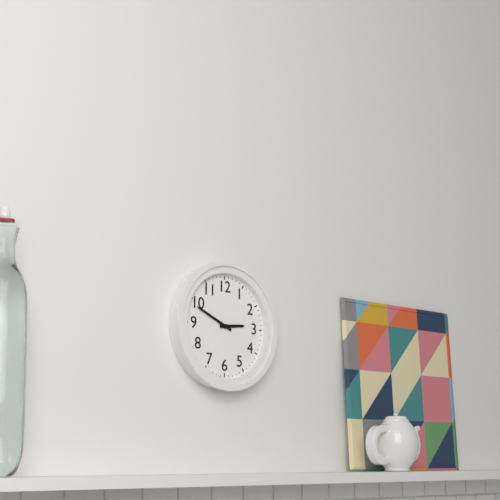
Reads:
2,49
